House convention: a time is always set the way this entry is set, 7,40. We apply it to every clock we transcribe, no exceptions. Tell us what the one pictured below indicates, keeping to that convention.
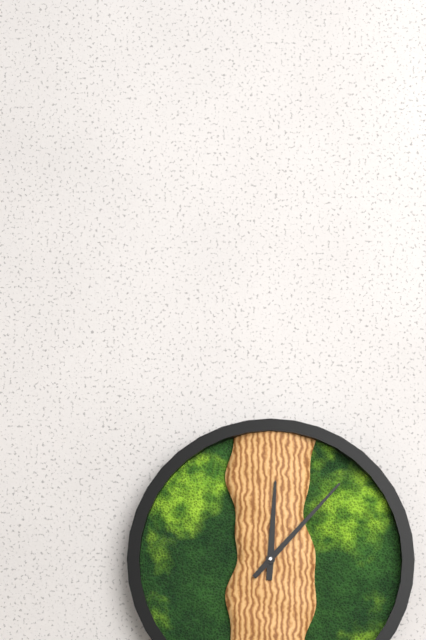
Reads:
12,07
